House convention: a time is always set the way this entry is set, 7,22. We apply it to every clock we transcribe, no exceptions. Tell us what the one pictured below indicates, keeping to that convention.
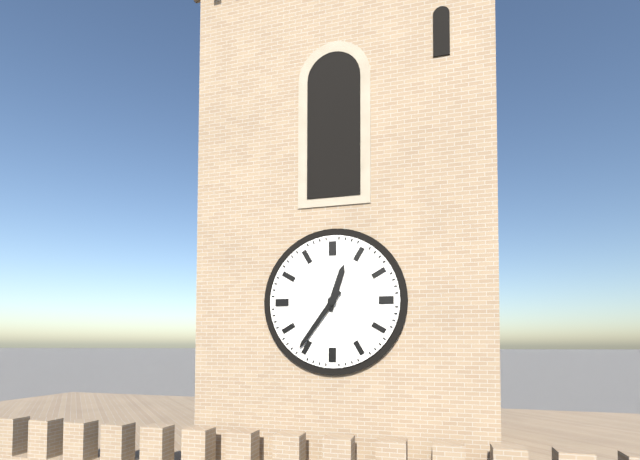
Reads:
12,36
